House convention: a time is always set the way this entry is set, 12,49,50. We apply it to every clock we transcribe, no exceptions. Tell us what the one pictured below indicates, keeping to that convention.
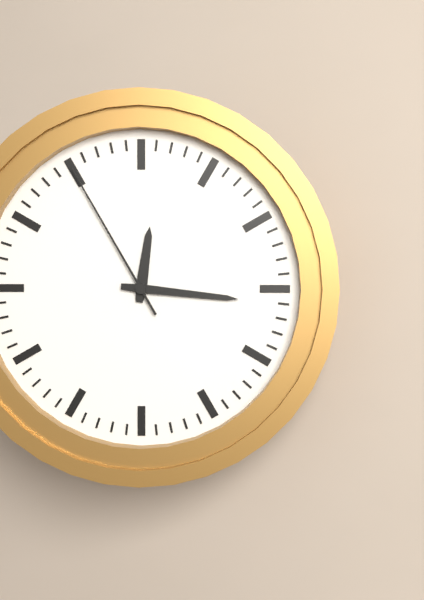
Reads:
12,16,55
